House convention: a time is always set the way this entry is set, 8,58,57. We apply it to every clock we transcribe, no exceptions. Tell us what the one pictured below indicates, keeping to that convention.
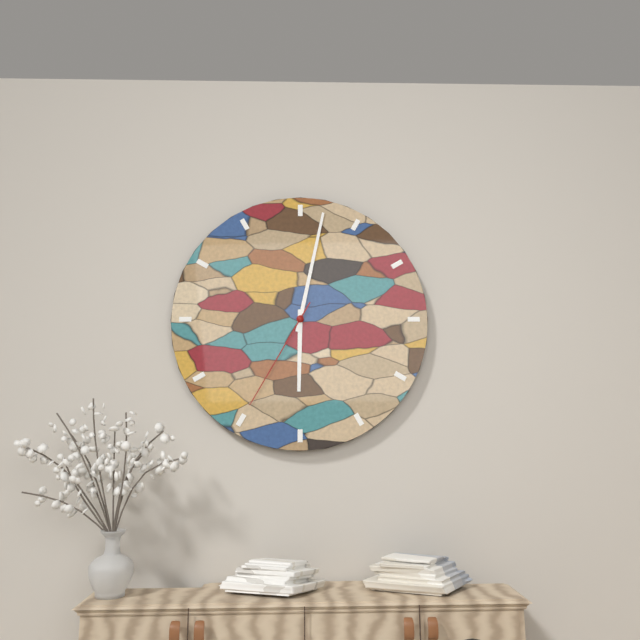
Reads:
6,02,35
